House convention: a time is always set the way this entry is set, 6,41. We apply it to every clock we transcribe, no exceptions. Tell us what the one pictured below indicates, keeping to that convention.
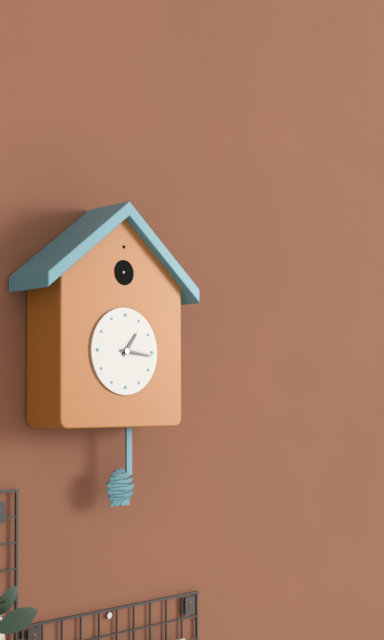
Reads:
1,16
